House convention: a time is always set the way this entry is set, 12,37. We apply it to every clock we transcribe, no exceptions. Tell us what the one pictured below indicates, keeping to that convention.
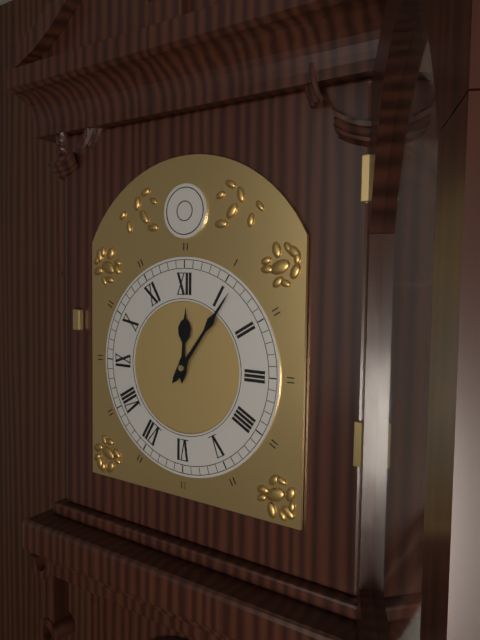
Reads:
12,06
